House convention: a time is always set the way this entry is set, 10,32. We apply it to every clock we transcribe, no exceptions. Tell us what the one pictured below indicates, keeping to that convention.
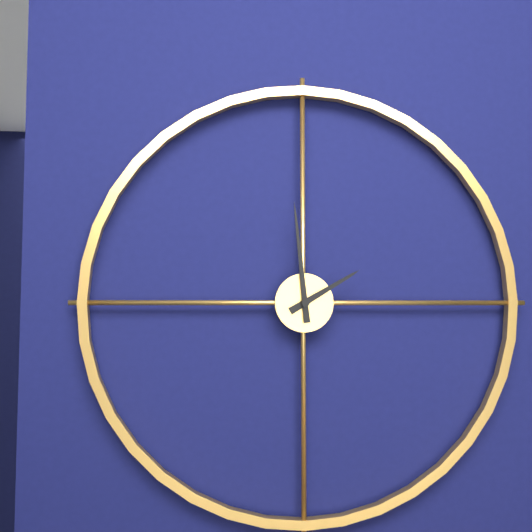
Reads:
1,59
